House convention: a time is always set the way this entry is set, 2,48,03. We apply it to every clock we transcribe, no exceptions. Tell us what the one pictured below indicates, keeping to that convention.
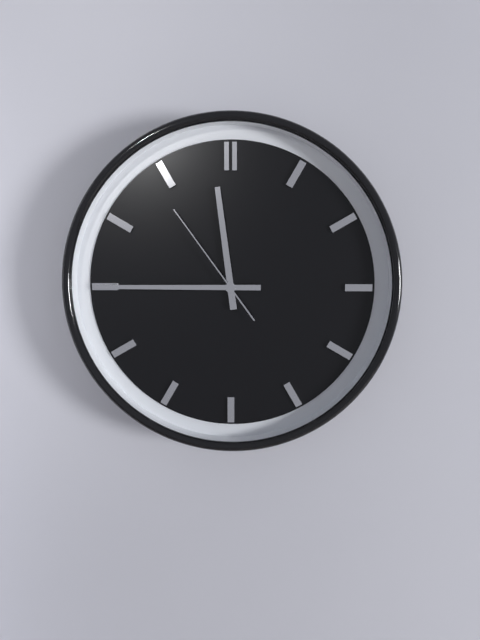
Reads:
11,45,54
